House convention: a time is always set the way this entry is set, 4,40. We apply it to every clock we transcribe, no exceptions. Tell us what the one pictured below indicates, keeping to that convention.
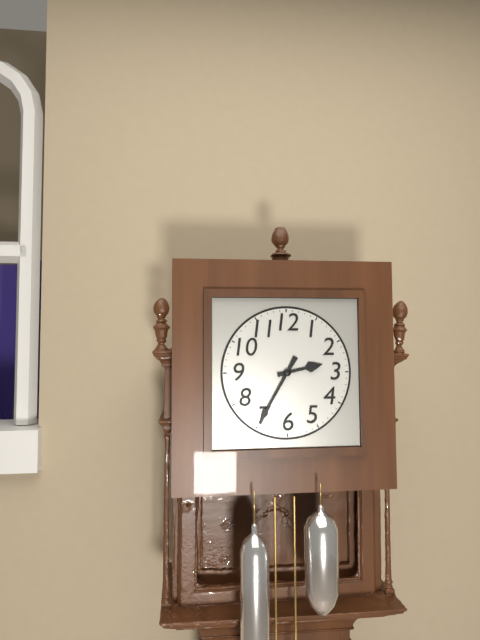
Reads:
2,35
